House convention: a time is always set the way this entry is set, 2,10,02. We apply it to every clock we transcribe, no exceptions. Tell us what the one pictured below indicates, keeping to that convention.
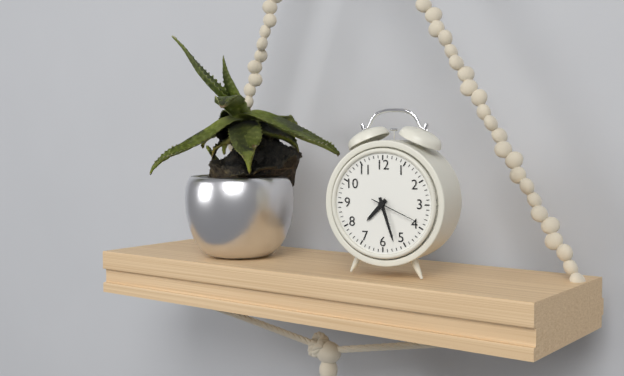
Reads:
7,27,19
